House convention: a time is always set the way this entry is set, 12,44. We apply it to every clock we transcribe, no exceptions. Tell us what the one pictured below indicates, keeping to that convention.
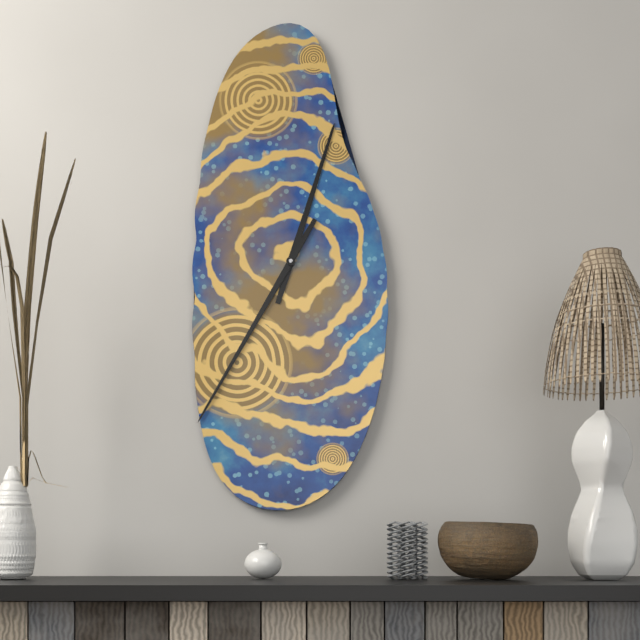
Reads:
12,35
